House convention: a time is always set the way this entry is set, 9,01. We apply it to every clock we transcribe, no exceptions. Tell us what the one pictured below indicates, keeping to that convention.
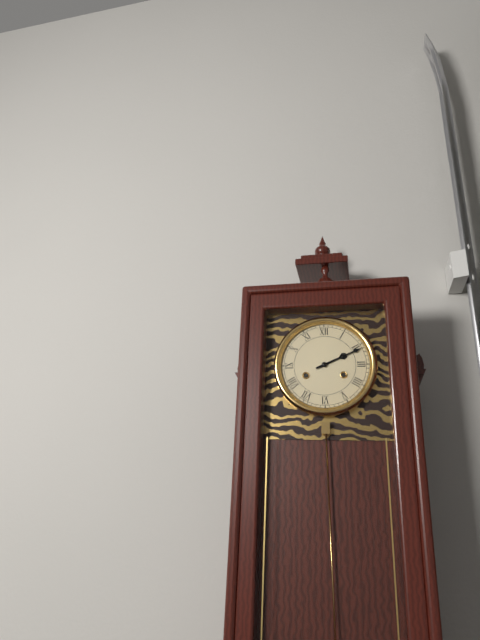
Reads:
2,11
